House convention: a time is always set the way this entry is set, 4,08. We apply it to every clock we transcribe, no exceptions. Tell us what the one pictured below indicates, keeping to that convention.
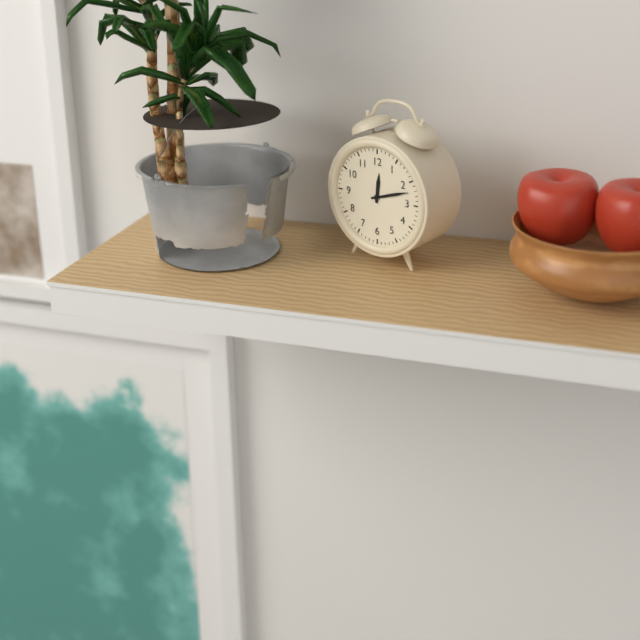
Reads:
12,12
